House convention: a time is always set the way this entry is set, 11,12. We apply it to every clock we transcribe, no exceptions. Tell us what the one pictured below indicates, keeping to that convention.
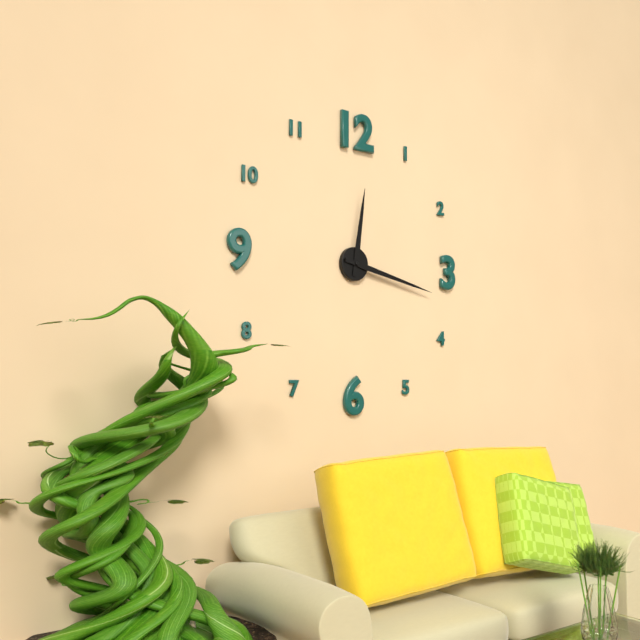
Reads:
12,17
